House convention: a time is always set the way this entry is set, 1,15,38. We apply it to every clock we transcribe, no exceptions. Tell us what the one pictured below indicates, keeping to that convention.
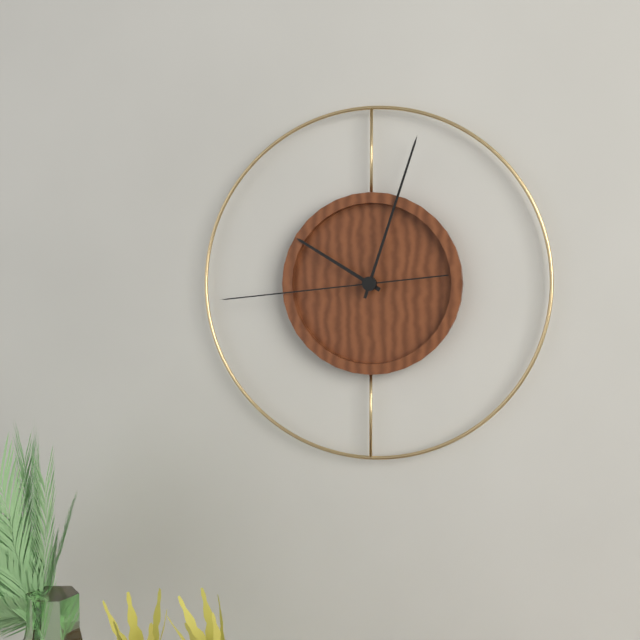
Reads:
10,03,44
